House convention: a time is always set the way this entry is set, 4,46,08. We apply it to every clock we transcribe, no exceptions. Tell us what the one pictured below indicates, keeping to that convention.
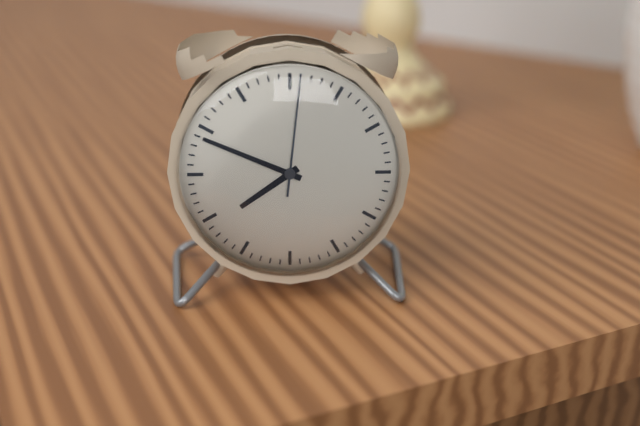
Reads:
7,49,01
